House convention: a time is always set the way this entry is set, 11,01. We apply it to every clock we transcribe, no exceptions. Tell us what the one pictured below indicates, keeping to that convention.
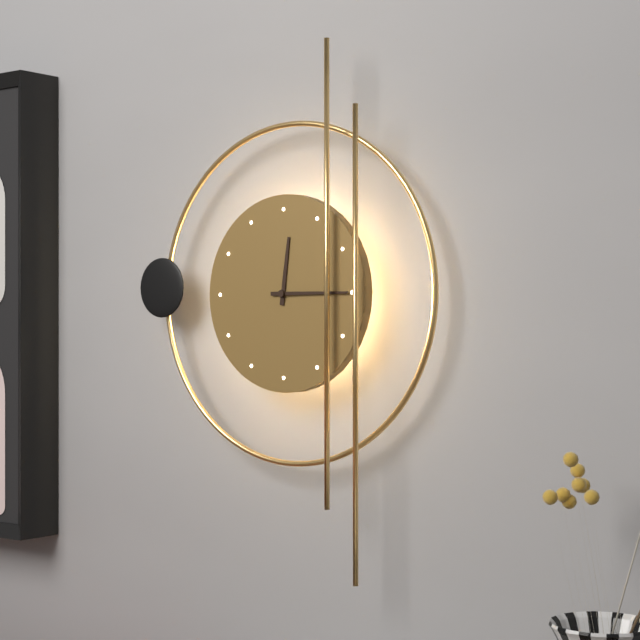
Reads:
12,15
